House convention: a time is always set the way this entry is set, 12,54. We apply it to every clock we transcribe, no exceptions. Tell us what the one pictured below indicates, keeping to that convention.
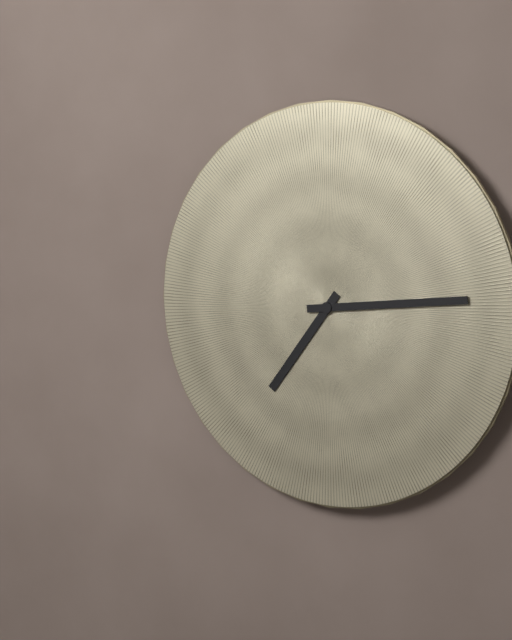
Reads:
7,14
